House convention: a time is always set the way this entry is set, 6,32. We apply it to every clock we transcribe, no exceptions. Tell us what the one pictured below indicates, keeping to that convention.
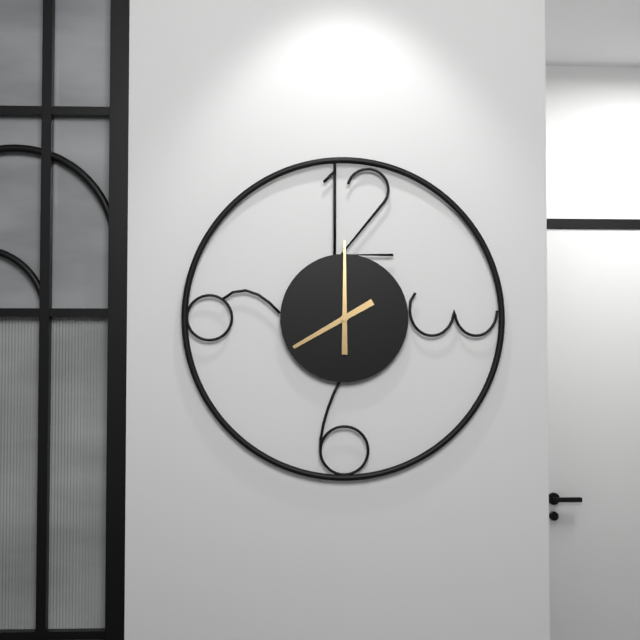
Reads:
8,00
